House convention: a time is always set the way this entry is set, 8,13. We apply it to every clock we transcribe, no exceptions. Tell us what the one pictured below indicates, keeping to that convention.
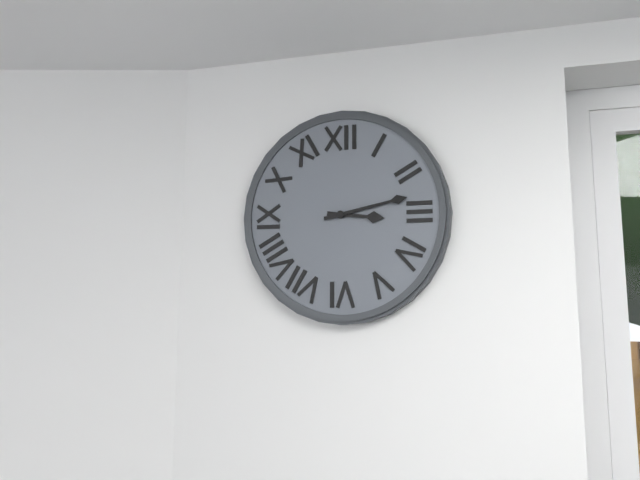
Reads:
3,13
